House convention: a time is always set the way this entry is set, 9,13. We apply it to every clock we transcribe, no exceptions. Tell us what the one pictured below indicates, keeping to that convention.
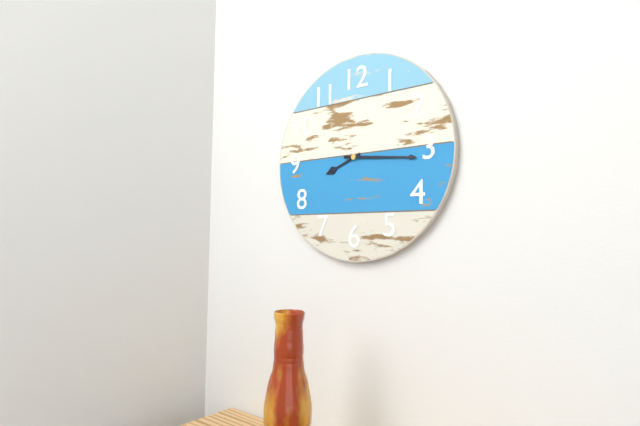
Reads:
8,16
